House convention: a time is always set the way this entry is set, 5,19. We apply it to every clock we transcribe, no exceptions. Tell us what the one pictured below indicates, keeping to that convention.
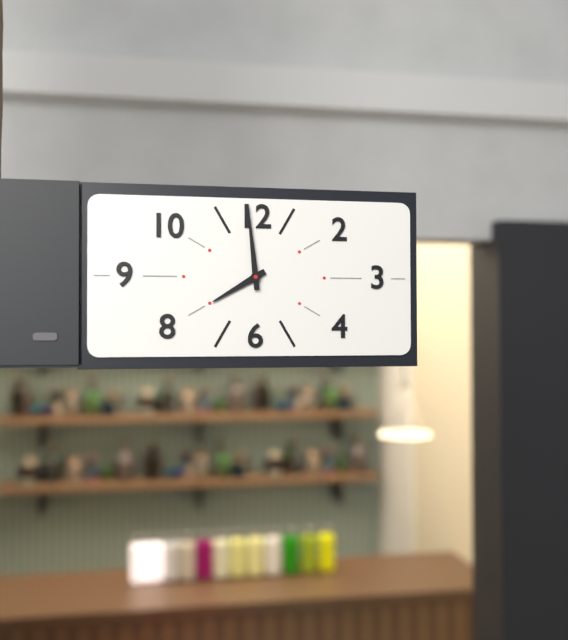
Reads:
7,59
